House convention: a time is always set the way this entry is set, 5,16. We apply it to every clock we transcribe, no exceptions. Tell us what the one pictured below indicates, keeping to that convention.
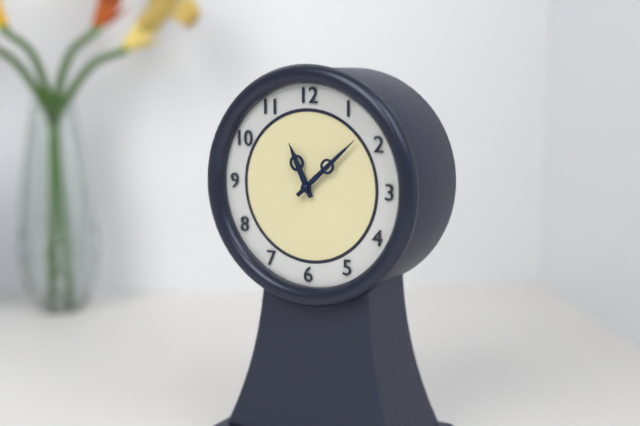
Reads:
11,08
